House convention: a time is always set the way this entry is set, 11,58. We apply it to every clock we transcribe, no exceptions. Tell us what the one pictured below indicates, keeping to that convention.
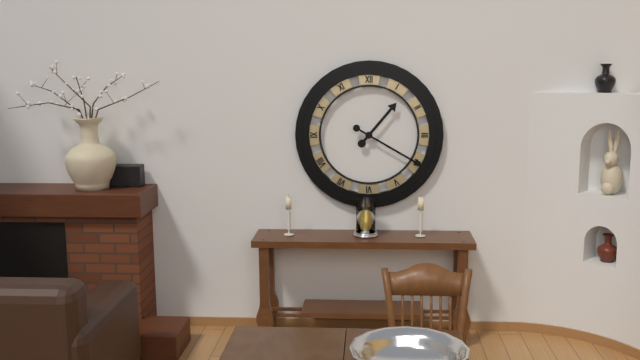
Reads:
1,20
